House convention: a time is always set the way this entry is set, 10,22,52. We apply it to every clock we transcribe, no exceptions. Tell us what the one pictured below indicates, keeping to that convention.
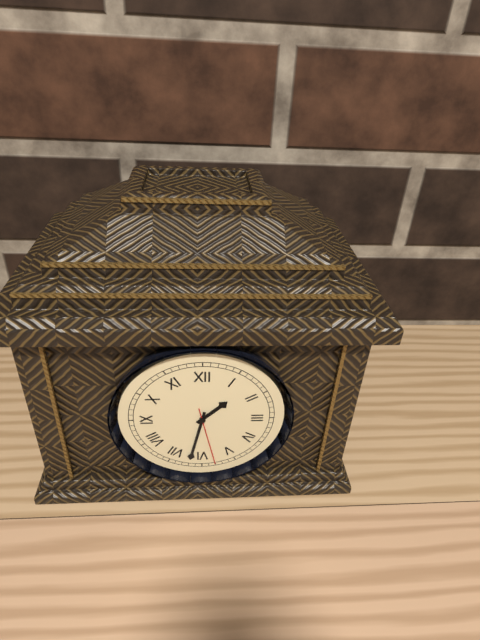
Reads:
1,32,28
